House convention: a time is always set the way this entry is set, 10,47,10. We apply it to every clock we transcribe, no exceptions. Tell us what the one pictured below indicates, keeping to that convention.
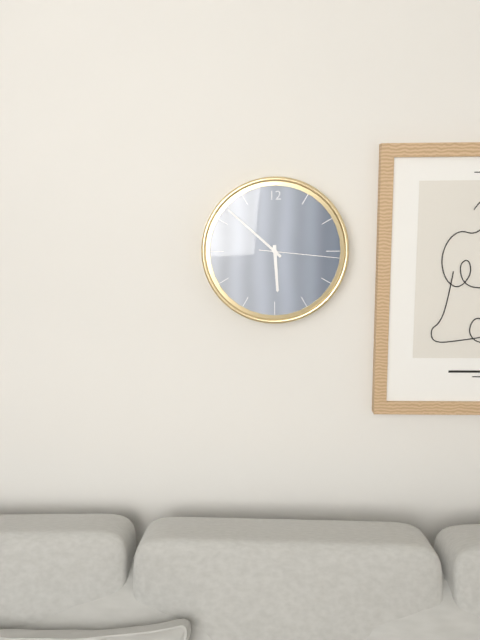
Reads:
5,52,16
